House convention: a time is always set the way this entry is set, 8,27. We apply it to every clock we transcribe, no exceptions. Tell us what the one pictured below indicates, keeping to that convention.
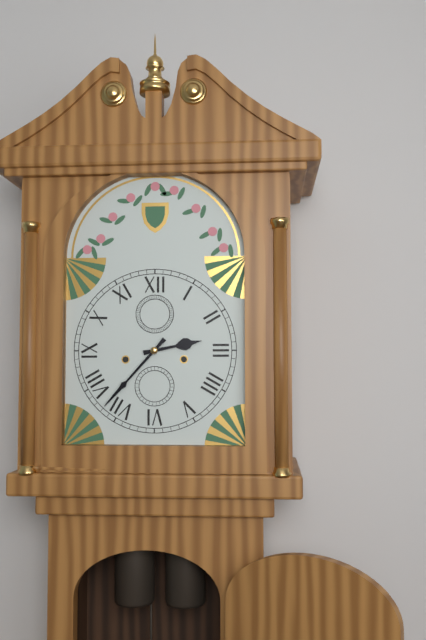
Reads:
2,37
